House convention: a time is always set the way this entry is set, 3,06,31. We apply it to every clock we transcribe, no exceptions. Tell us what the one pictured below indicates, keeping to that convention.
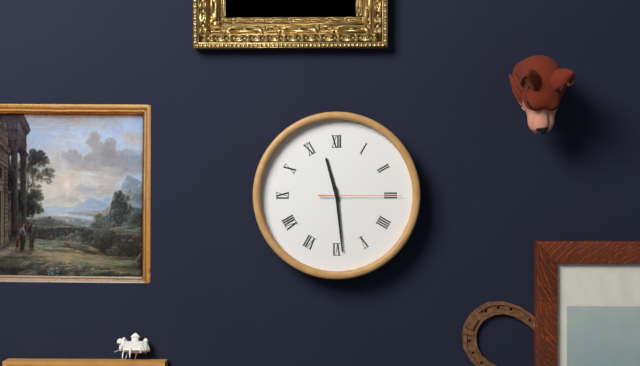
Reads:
11,29,15
